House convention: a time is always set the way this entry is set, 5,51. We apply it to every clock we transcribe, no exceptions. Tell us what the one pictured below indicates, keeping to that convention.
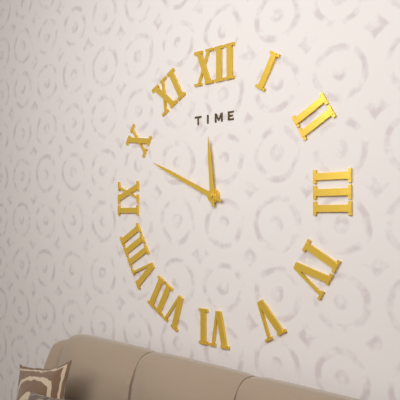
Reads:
11,49
